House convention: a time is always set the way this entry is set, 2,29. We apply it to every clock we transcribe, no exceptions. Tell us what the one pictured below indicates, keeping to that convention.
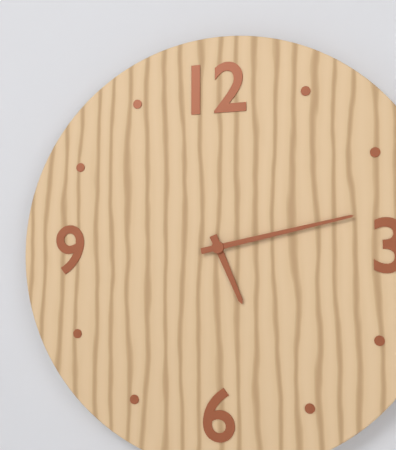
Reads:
5,13
